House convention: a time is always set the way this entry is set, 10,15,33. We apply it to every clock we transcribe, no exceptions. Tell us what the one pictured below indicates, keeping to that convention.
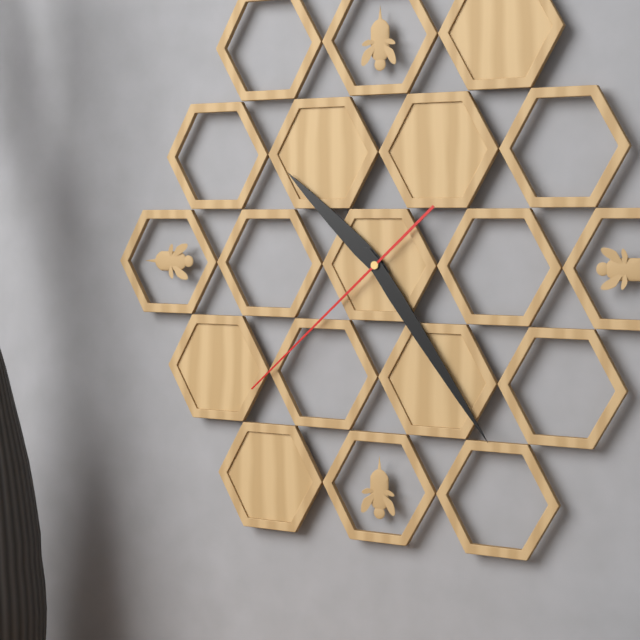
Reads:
10,24,38
